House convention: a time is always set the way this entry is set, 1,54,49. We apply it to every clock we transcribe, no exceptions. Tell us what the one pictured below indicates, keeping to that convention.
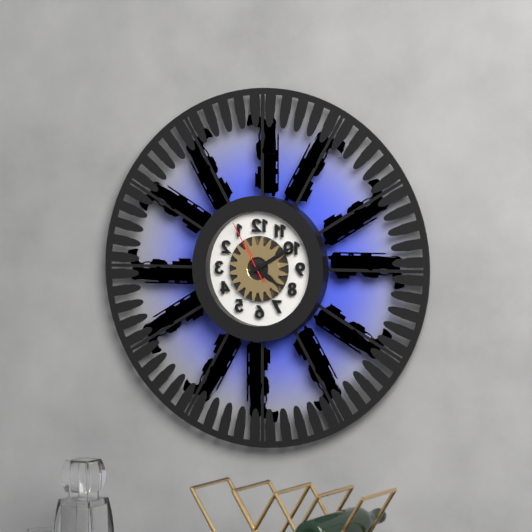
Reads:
4,10,55
